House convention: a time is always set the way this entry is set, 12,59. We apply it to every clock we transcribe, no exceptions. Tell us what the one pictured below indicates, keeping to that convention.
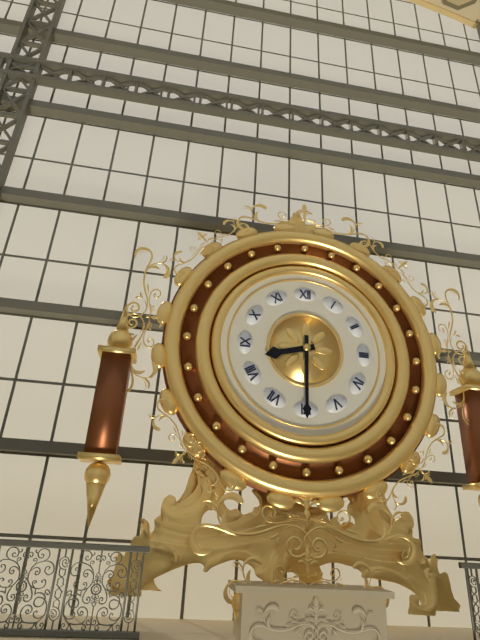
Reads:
8,30
